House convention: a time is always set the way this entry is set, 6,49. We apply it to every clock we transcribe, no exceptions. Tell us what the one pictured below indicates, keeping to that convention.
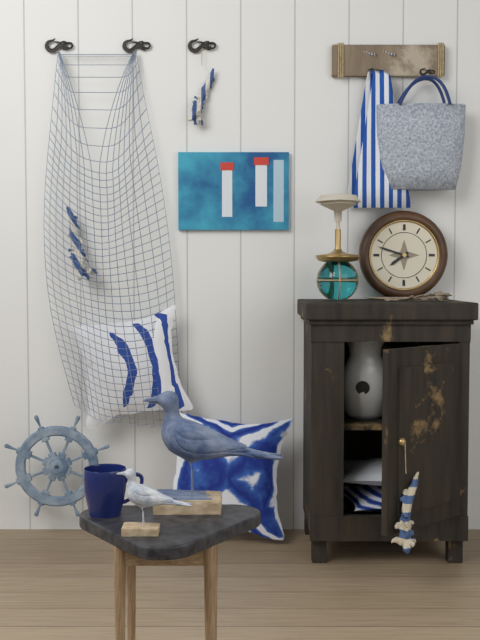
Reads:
7,48
